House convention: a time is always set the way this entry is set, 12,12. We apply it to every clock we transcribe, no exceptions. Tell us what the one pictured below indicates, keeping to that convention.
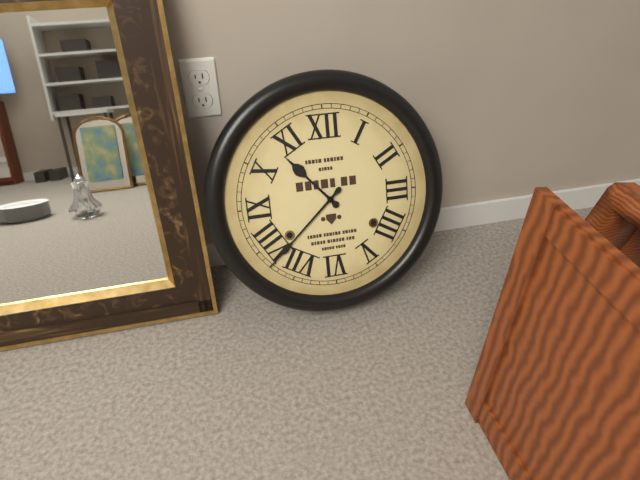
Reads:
10,38
